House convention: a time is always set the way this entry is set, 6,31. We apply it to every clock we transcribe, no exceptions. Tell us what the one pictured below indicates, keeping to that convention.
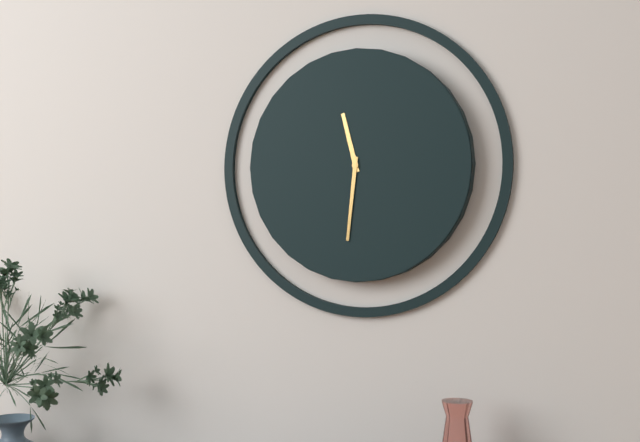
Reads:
11,31
